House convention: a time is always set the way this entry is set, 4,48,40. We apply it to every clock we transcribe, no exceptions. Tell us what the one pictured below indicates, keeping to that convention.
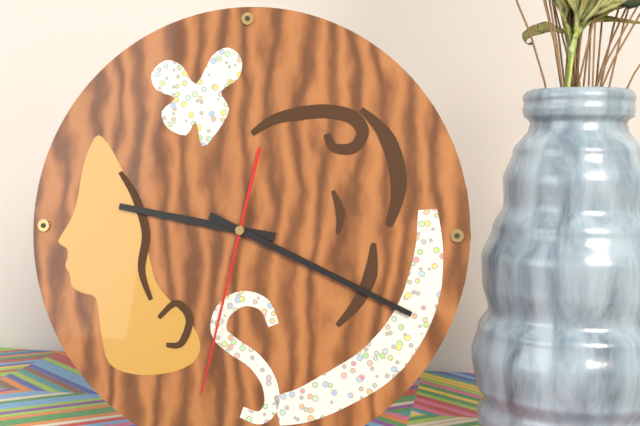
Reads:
9,19,32
